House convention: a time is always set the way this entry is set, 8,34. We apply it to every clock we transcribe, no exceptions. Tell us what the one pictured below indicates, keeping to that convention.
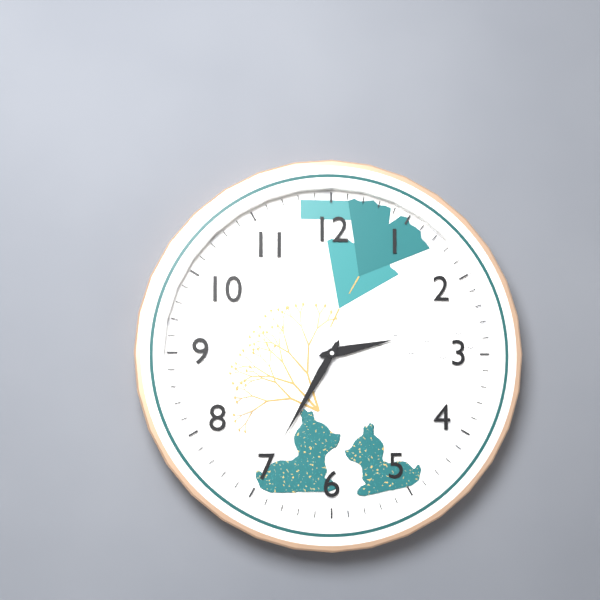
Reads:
2,35
